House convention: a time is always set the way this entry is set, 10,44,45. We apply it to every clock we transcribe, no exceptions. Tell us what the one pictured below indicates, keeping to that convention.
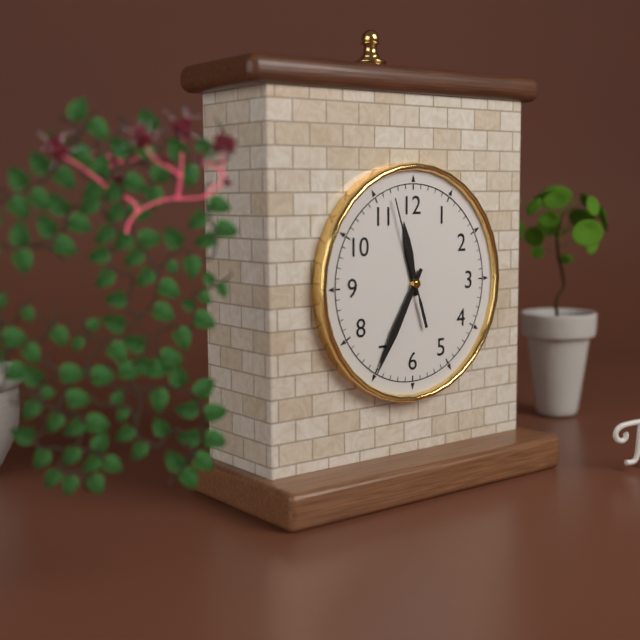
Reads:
11,35,57
